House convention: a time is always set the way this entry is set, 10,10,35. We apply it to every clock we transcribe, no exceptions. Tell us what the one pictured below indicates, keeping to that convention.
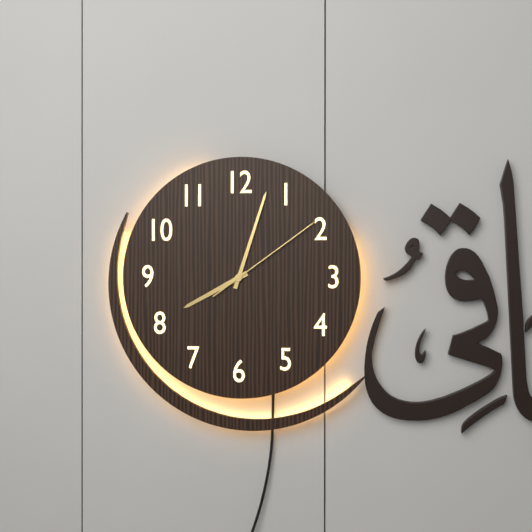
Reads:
8,03,09
